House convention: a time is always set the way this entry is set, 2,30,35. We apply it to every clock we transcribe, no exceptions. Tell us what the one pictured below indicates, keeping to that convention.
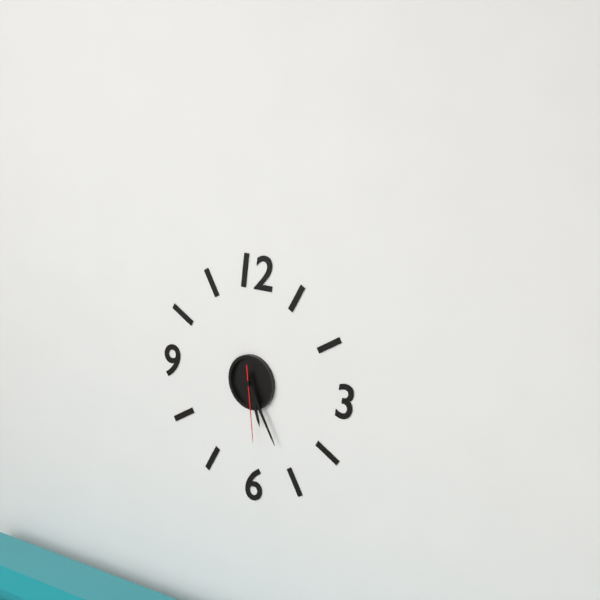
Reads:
5,25,29
